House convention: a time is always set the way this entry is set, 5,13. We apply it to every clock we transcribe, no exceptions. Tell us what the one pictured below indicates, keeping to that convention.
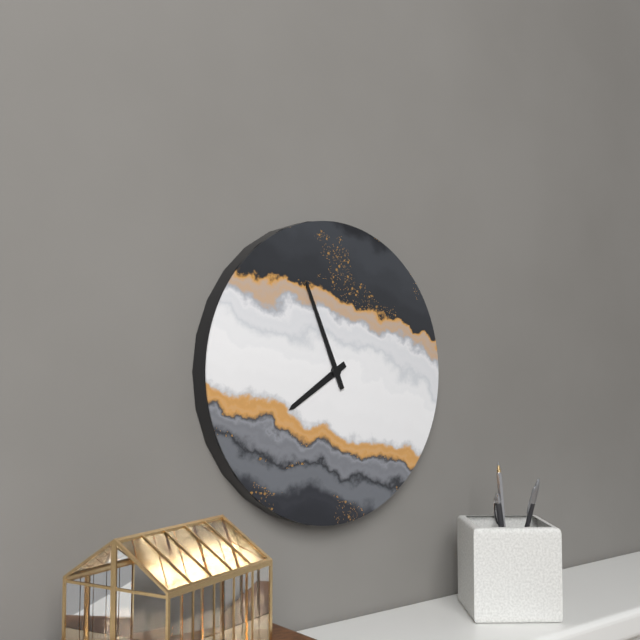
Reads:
7,56
